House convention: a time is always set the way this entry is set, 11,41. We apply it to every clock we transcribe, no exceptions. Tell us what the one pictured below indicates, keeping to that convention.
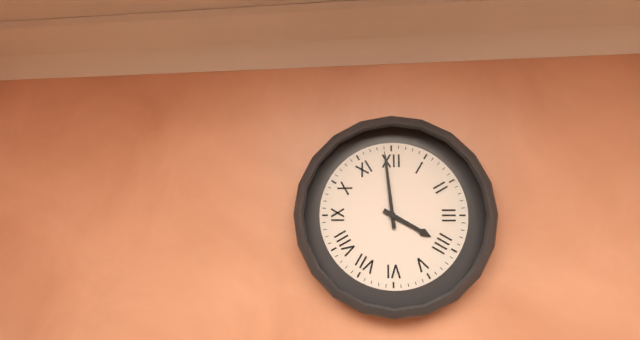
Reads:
3,59
